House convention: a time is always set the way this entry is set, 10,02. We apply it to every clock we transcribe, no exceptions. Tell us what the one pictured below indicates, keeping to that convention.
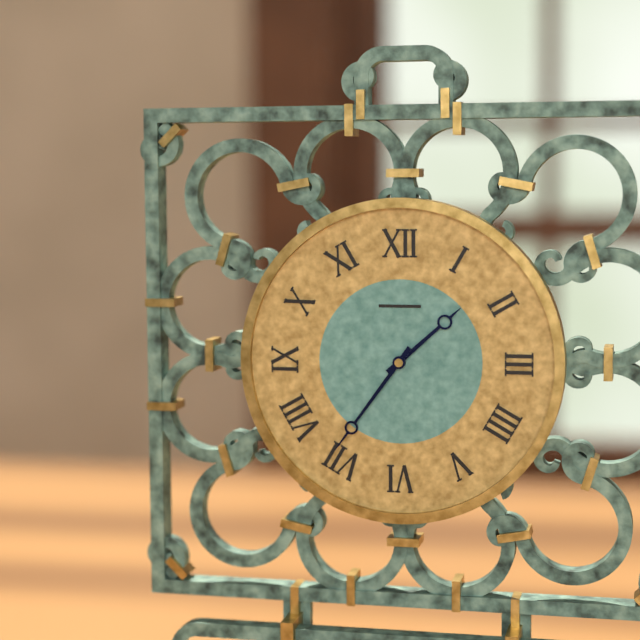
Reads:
1,36
